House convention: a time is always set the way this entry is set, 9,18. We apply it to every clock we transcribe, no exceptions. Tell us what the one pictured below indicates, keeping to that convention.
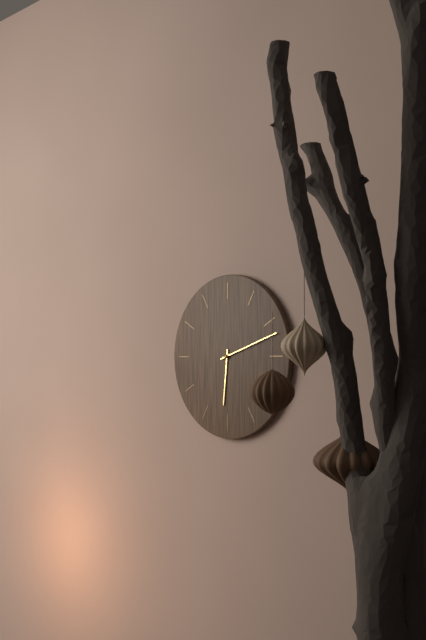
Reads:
6,12
